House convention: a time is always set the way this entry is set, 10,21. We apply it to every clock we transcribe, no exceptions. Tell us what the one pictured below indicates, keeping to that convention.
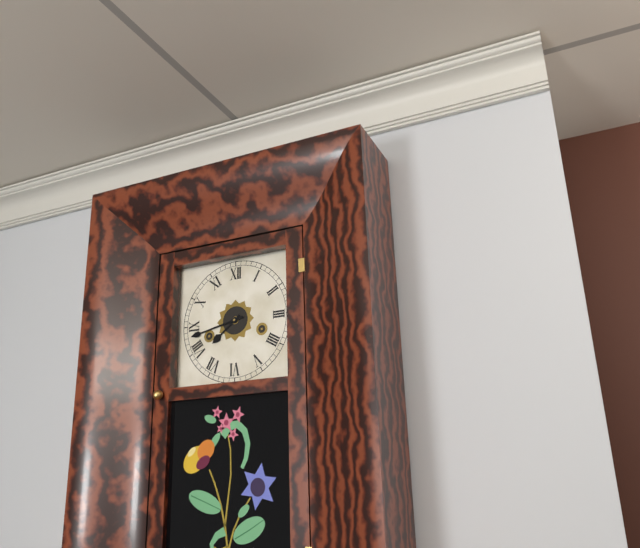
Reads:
7,43
